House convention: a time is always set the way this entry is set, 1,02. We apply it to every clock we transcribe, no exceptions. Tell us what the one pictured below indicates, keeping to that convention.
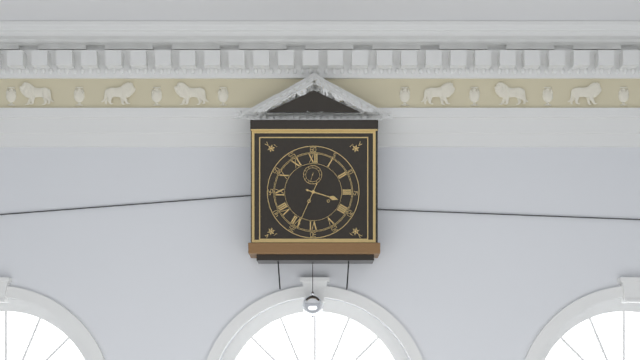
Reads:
3,34
